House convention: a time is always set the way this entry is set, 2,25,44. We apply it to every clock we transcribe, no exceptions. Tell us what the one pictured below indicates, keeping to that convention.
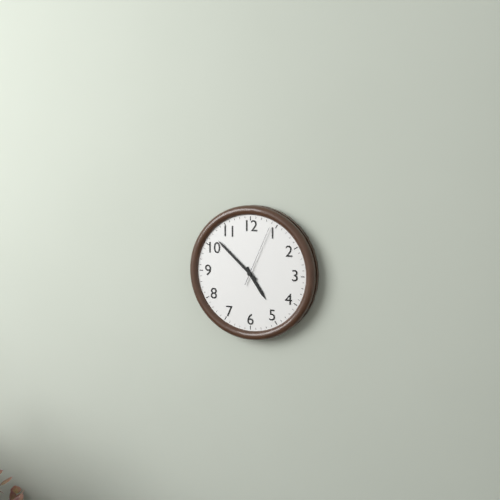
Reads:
4,52,04
